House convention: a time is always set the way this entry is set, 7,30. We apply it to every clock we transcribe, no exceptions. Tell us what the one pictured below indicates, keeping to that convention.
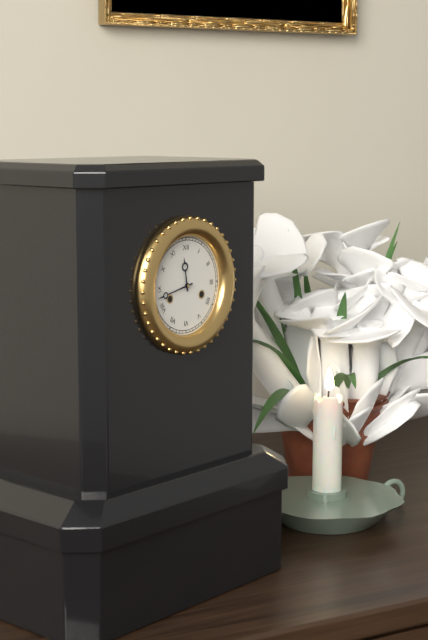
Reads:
11,43
